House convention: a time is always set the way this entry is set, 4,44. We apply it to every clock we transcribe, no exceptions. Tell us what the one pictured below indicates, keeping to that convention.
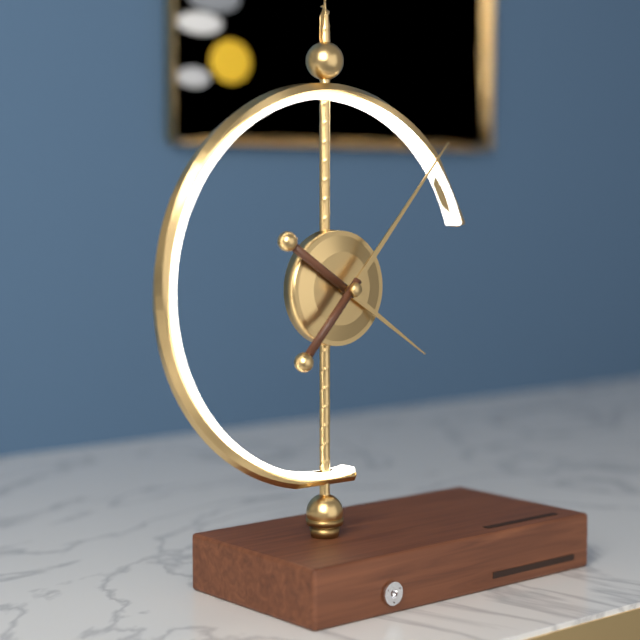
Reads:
4,07
